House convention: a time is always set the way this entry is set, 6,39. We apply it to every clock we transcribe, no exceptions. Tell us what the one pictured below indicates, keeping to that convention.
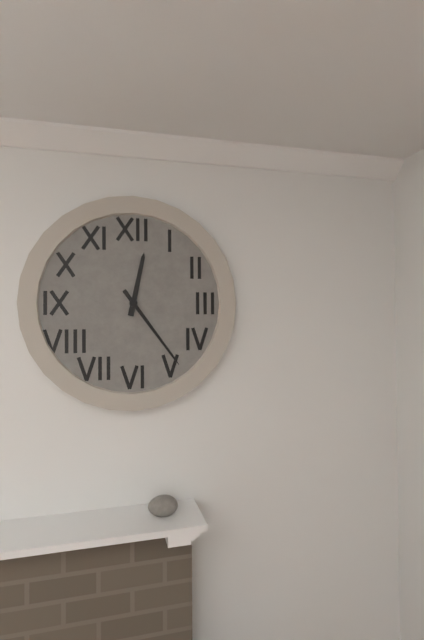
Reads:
12,24
